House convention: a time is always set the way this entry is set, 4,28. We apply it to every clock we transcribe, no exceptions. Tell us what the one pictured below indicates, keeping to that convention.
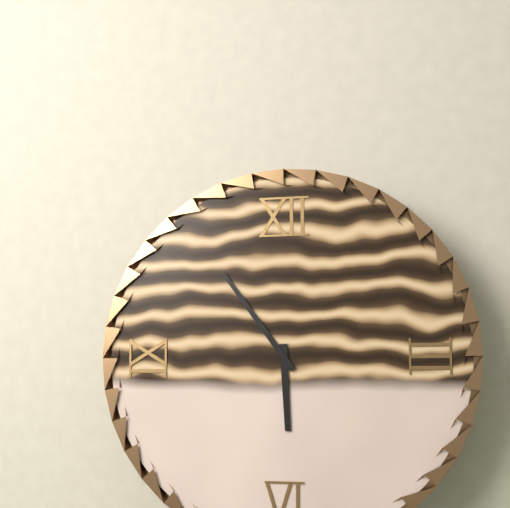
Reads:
5,54
